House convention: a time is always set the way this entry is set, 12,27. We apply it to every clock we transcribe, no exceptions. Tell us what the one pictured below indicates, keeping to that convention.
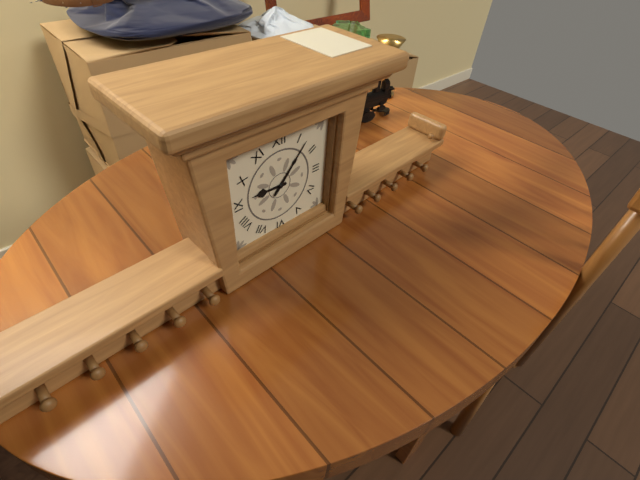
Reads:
9,07
